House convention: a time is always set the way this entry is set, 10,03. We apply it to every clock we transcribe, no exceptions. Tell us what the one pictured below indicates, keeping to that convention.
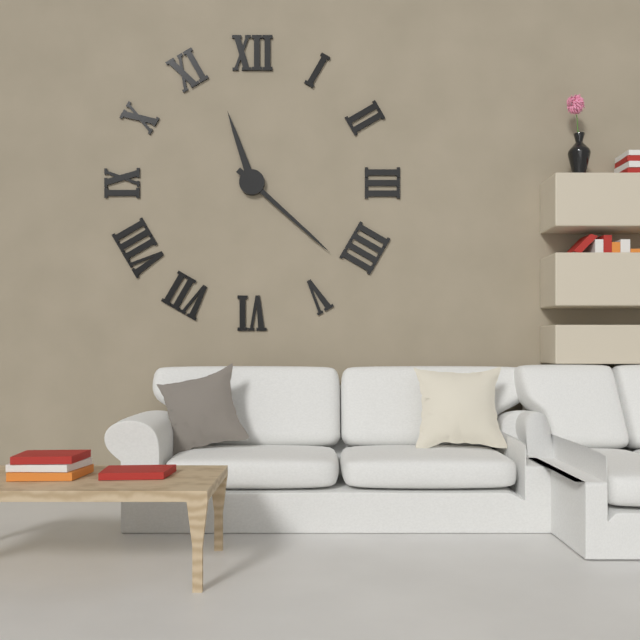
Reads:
11,22
